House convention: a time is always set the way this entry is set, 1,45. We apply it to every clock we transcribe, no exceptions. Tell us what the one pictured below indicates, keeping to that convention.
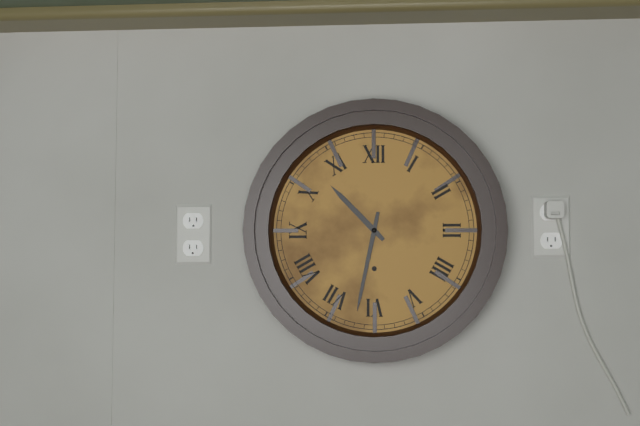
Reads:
10,32
